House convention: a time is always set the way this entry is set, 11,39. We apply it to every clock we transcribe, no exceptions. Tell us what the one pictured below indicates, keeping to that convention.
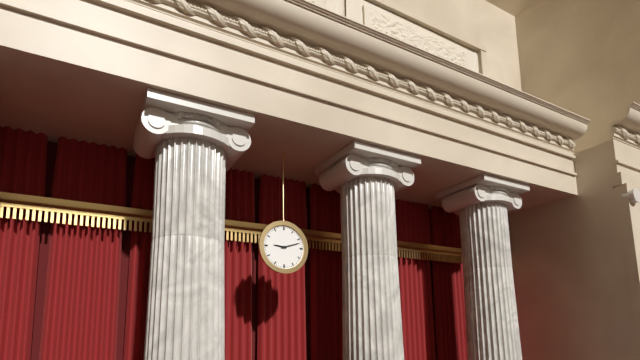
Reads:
9,12
